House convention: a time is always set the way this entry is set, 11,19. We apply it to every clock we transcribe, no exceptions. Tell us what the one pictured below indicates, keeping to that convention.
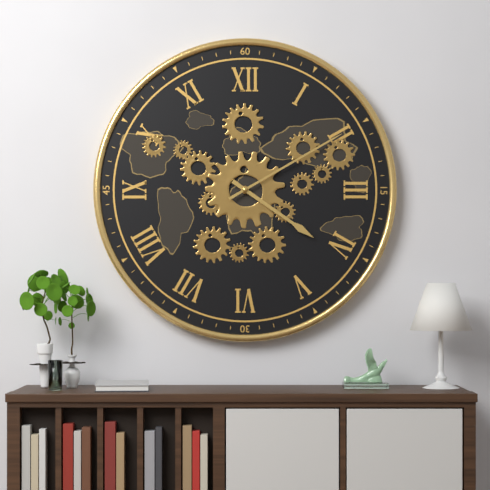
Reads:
4,10
